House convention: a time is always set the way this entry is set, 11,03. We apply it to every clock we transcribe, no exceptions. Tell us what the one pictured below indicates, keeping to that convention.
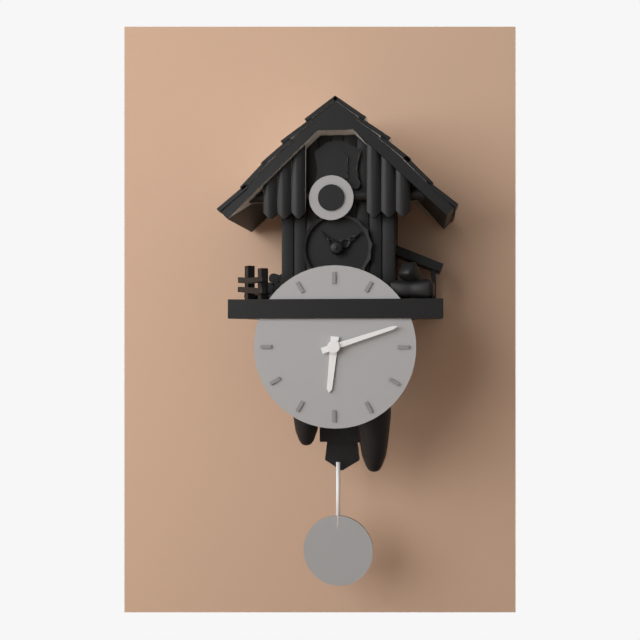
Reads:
6,12
